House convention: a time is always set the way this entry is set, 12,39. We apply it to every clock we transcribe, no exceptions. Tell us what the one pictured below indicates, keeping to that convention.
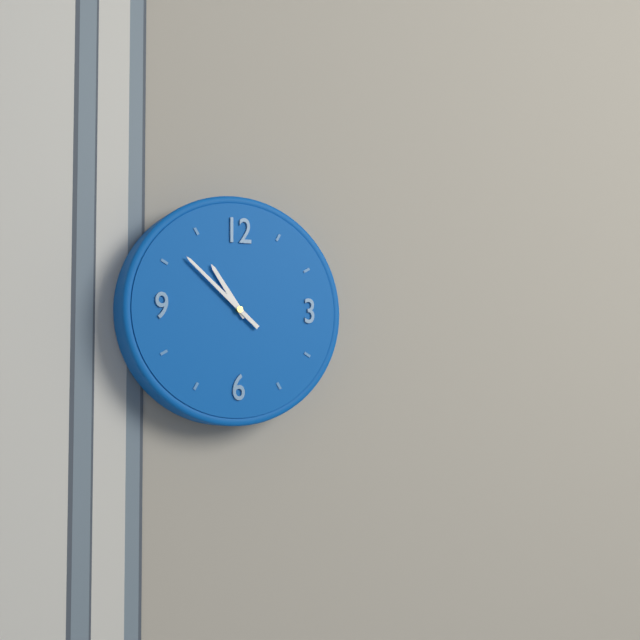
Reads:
10,52
